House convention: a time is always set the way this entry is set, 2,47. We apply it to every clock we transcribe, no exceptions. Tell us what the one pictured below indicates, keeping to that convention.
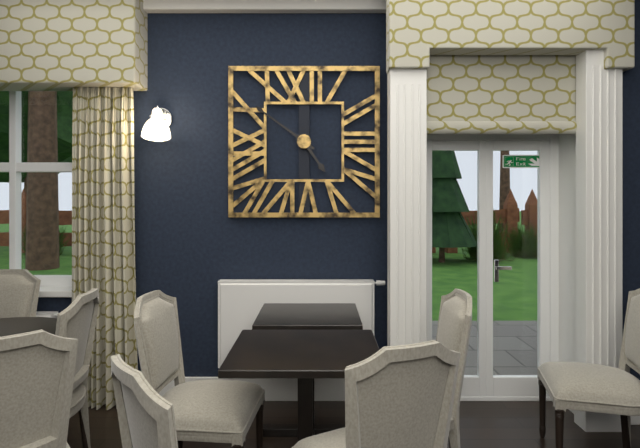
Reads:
4,51
